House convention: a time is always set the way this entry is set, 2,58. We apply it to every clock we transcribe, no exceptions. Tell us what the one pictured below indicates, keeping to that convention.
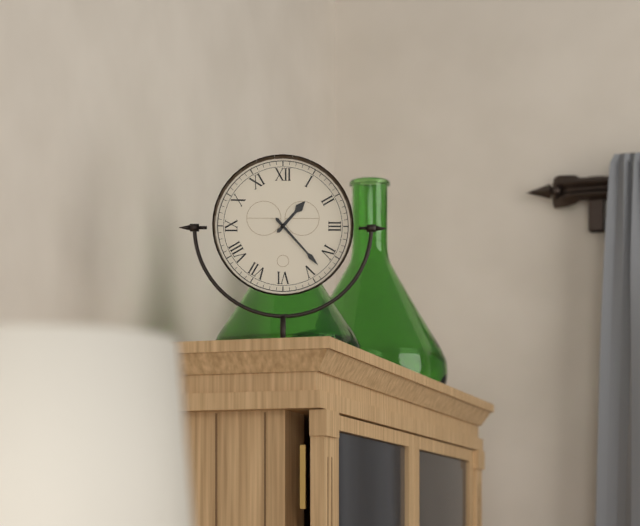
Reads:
1,23
